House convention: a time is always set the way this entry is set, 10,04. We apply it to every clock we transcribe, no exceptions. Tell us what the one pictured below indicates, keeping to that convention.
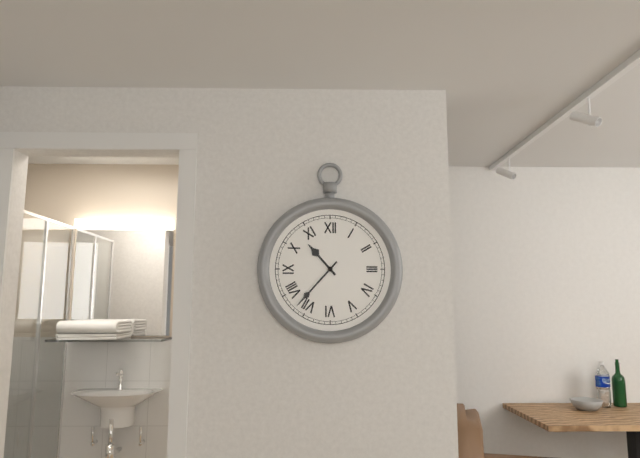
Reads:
10,37
